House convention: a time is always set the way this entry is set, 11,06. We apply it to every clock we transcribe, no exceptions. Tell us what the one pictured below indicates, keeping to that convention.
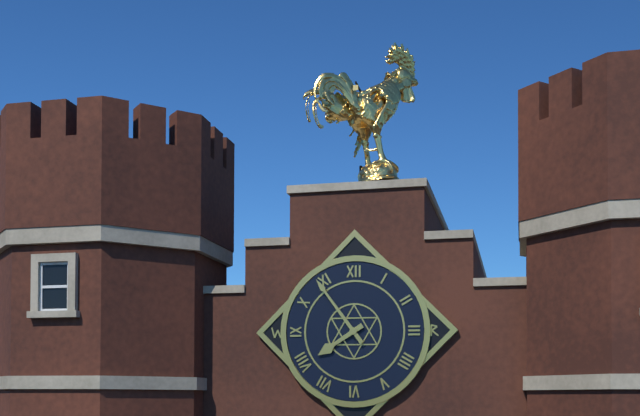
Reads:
7,54
